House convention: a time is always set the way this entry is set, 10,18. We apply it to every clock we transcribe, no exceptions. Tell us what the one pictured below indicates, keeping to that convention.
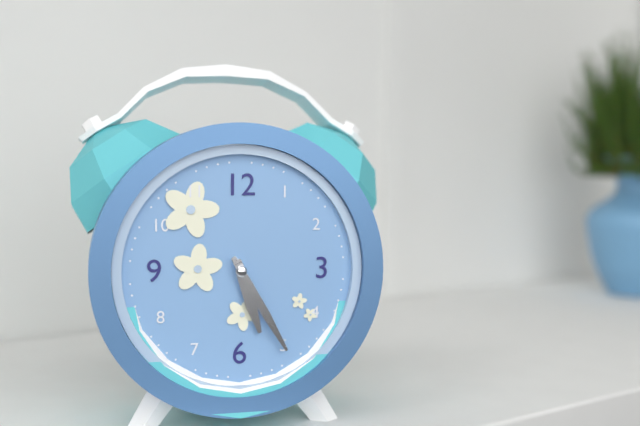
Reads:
5,25
